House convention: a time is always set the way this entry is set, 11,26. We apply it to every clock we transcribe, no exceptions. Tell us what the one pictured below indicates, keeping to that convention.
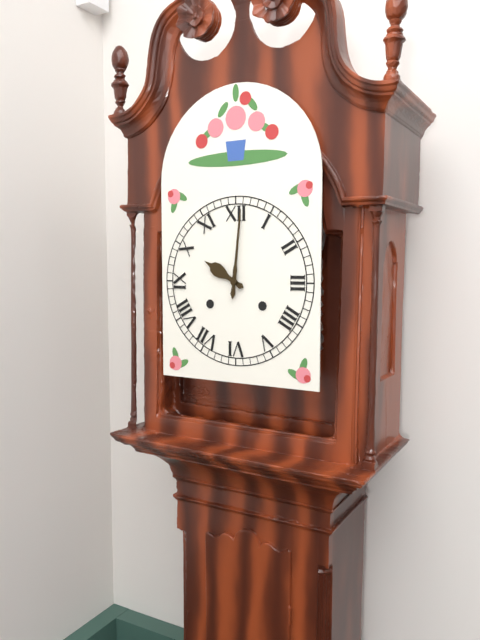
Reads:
10,01
